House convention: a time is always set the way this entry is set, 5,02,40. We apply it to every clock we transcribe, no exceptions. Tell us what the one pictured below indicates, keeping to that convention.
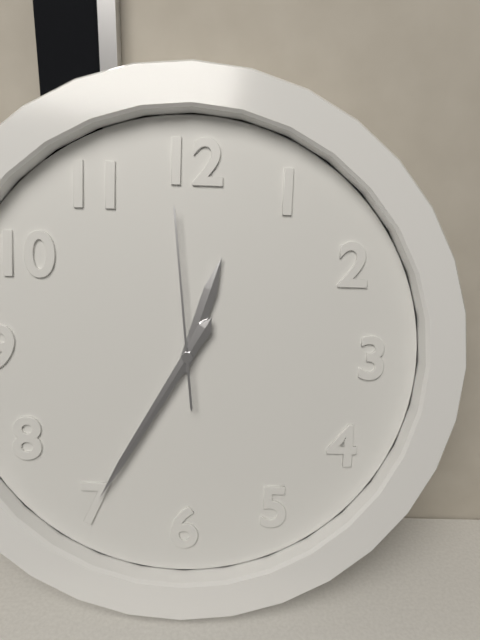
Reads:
12,35,59
